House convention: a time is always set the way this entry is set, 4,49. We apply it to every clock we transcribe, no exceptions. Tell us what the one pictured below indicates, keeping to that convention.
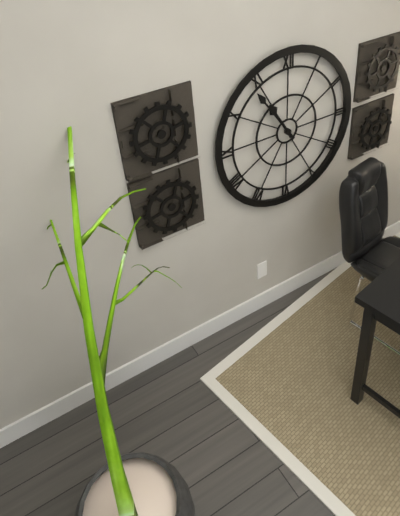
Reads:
10,54
